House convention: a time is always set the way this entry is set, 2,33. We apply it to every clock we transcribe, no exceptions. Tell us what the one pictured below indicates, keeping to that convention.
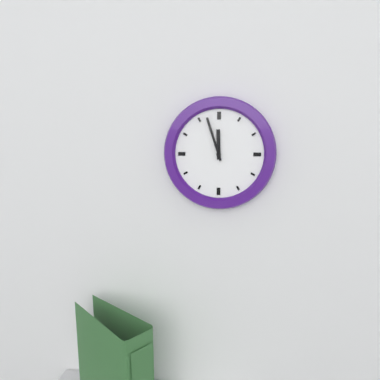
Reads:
11,57
